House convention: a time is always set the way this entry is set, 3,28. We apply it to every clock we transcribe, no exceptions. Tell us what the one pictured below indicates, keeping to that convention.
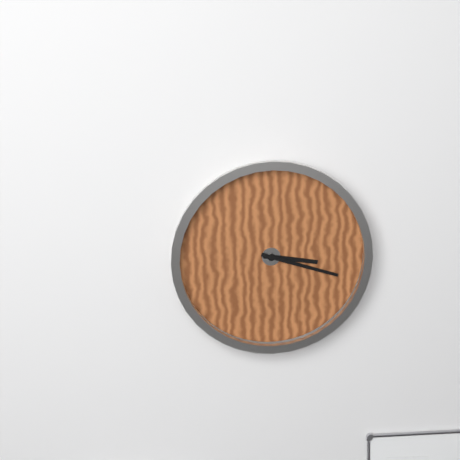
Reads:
3,18
